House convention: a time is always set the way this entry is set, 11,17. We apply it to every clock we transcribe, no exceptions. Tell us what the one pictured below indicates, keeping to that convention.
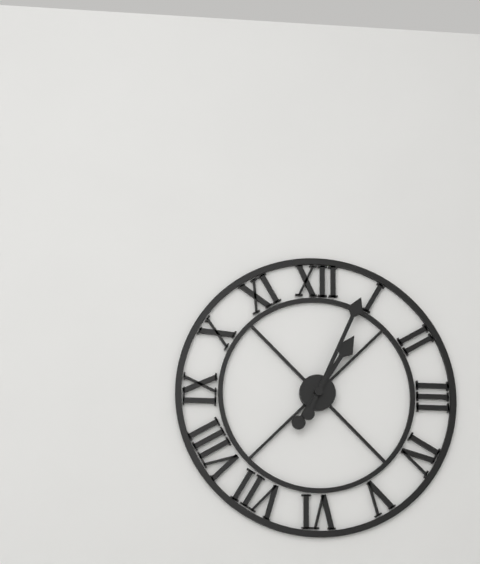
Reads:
1,04
